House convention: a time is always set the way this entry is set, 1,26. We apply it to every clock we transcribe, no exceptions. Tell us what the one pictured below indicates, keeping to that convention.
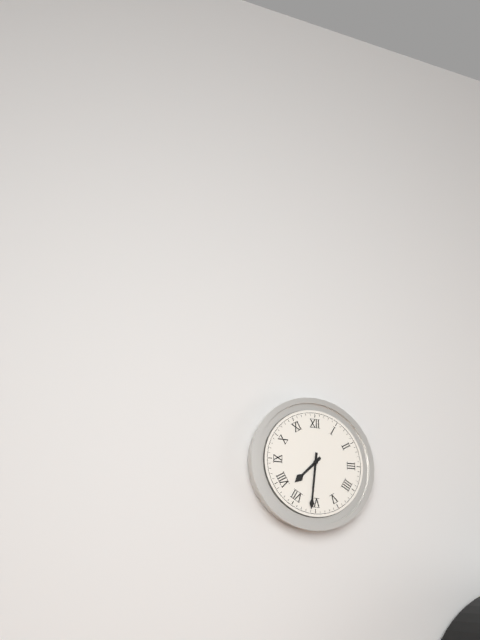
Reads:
7,31
